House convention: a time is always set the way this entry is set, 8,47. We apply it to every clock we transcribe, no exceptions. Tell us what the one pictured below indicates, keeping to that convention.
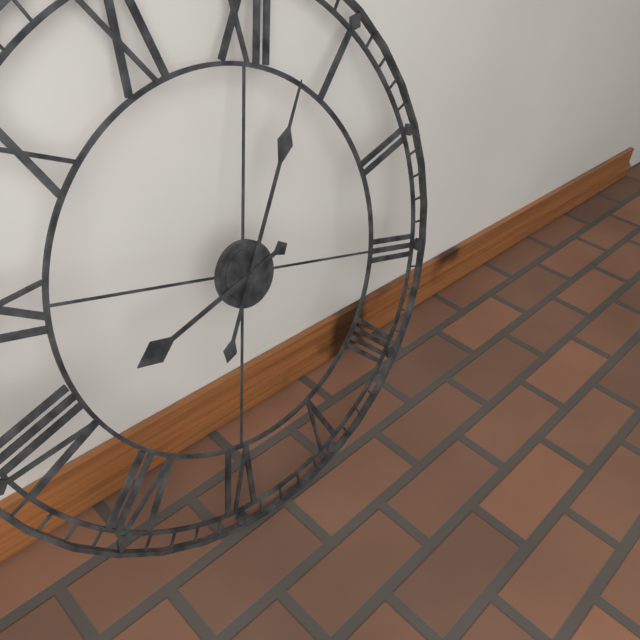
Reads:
8,03
